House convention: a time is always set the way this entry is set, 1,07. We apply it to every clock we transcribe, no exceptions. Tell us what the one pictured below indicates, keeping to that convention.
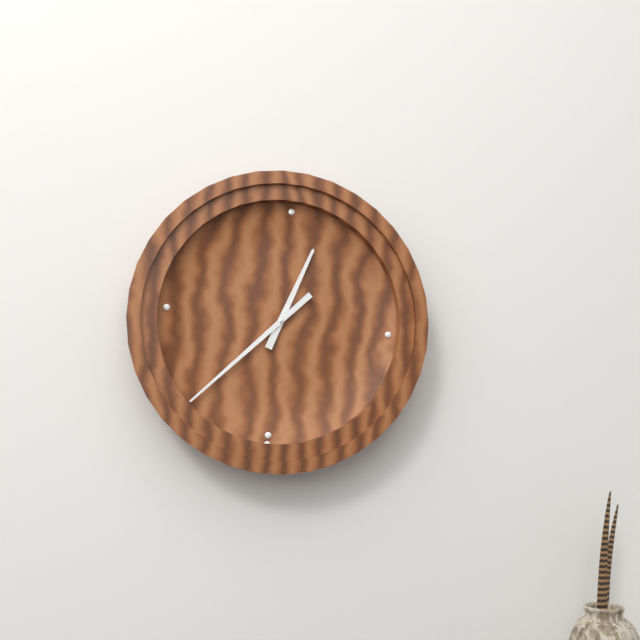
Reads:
12,37
